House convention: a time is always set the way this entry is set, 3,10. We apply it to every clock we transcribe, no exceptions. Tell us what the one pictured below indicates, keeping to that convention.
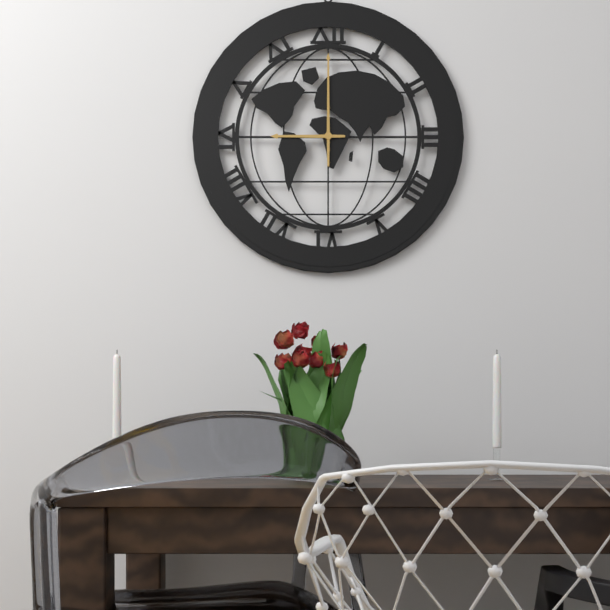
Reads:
9,00
